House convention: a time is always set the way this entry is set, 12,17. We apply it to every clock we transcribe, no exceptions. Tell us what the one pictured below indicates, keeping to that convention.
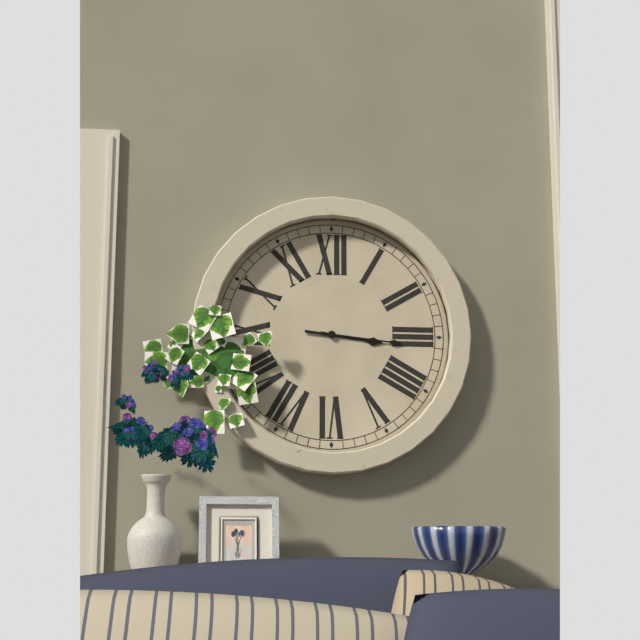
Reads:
3,16
